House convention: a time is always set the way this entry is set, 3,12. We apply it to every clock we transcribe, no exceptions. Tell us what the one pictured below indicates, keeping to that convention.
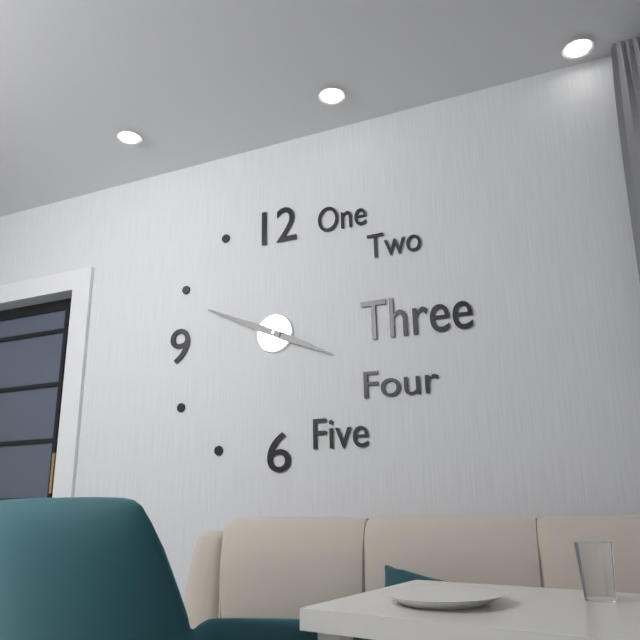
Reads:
3,49
